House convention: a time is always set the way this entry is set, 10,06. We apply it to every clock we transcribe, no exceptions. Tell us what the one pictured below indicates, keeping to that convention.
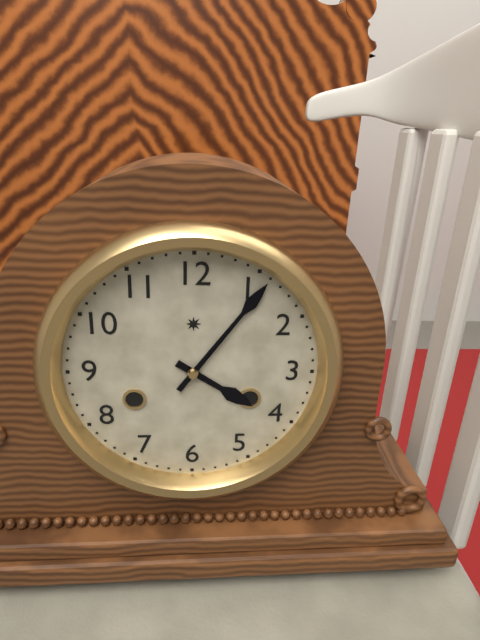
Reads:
4,06
